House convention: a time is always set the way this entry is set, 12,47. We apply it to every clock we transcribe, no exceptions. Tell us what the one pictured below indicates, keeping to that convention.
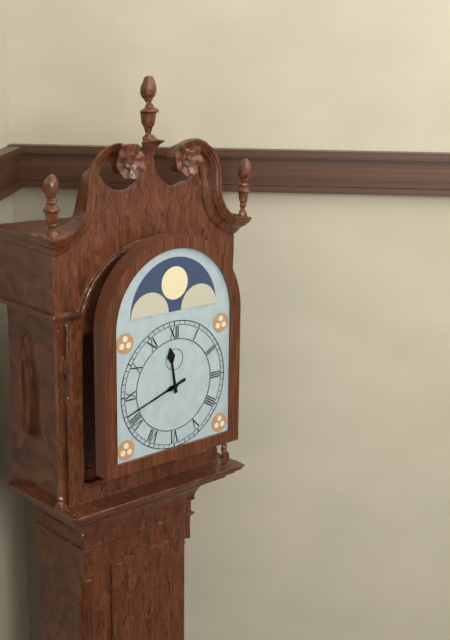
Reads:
11,42
